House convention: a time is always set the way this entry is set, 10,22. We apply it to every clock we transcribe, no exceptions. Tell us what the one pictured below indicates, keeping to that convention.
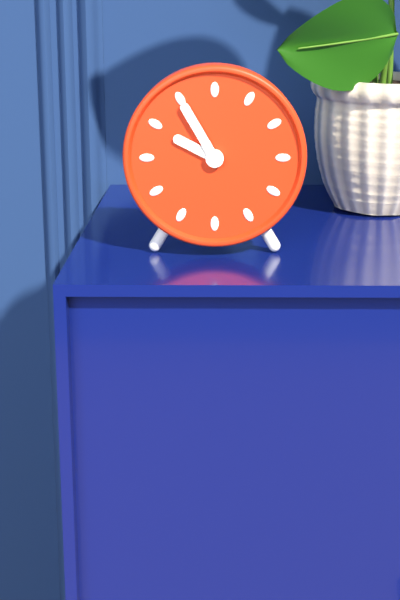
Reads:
9,55
